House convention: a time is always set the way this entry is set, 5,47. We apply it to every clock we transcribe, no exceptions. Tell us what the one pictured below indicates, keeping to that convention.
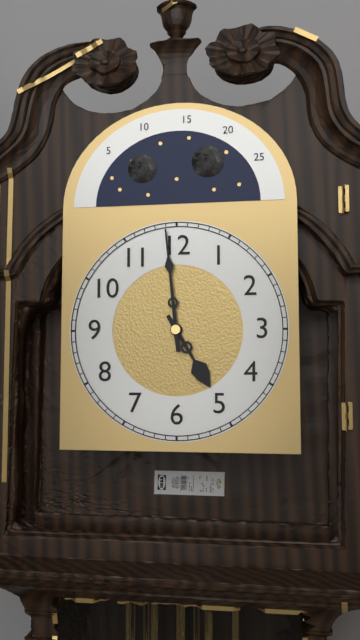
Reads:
4,59
